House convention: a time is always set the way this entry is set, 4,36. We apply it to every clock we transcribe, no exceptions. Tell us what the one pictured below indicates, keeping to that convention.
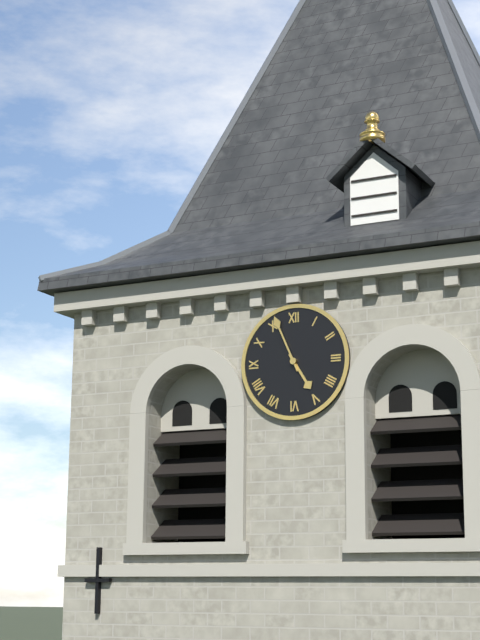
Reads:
4,56
